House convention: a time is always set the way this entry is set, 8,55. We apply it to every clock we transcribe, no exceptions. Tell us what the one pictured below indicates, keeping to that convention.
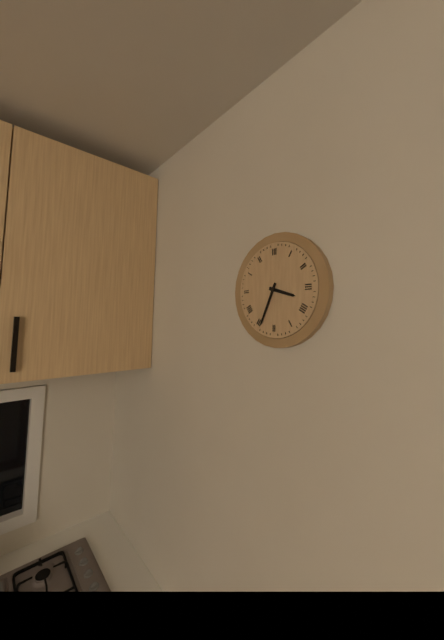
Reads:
3,34
